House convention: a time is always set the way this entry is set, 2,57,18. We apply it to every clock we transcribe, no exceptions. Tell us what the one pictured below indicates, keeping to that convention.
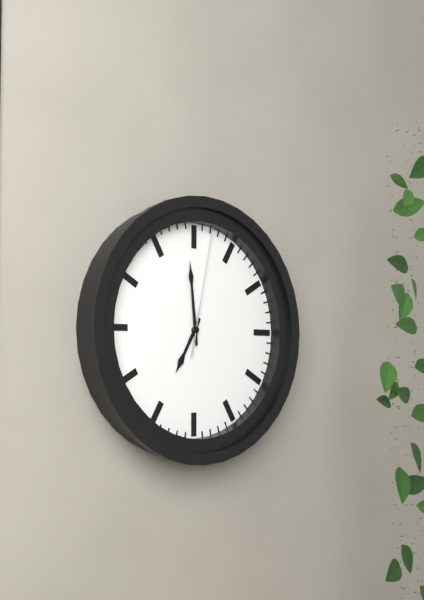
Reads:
6,59,02
